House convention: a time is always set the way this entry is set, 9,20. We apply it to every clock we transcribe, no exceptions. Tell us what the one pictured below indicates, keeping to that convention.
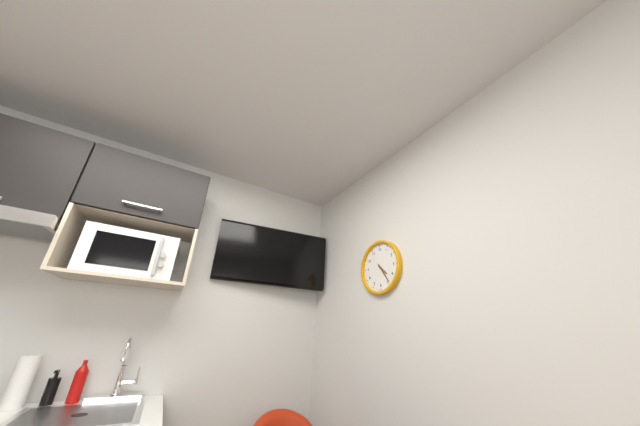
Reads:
4,24
